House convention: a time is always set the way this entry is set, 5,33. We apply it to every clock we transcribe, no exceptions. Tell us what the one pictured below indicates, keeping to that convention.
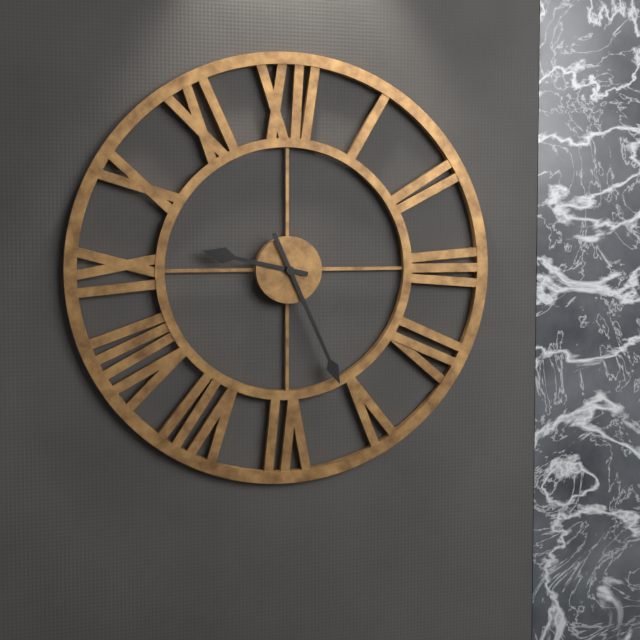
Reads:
9,26
